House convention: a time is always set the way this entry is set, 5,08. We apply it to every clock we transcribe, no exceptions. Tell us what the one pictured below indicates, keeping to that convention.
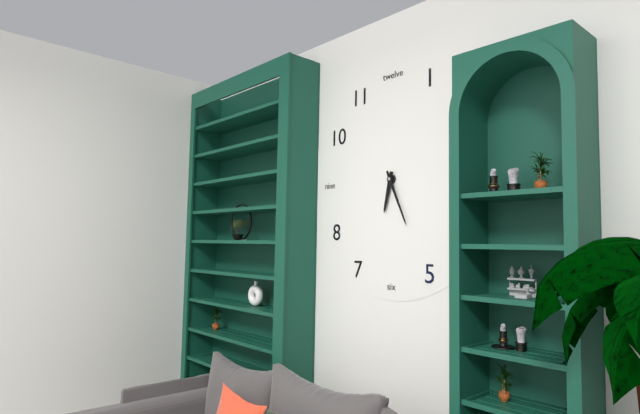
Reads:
6,26
